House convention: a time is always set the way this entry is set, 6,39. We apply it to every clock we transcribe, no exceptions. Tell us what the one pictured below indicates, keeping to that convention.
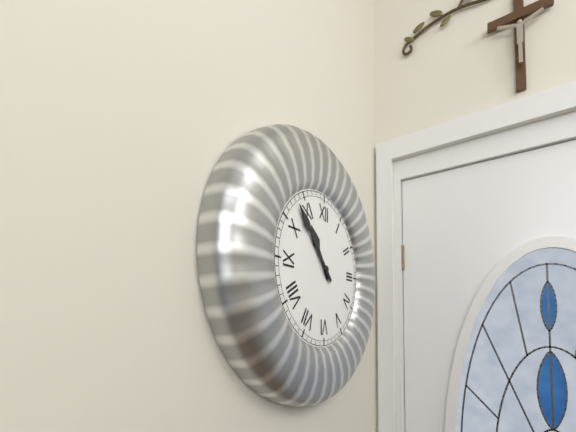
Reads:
10,53
